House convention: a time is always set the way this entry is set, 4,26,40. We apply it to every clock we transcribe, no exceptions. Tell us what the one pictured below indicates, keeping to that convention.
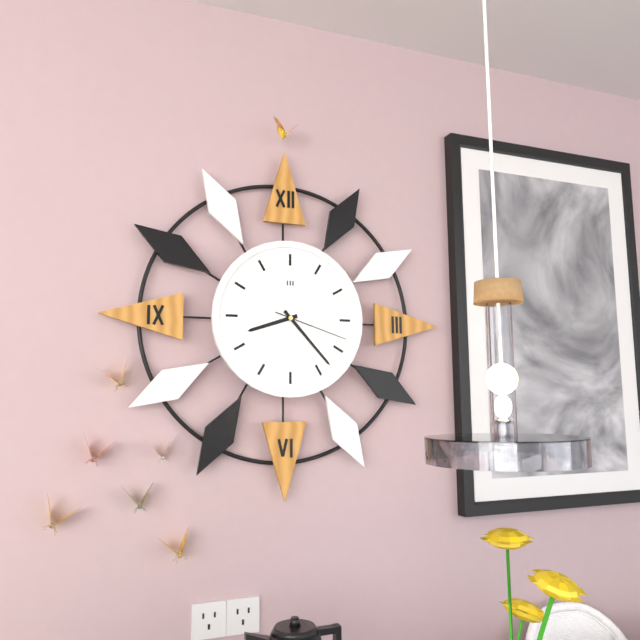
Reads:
8,23,18
